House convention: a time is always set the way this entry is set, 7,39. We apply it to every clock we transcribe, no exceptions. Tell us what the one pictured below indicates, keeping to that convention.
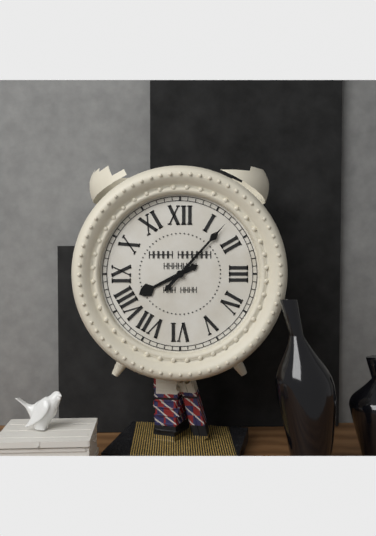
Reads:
8,07
